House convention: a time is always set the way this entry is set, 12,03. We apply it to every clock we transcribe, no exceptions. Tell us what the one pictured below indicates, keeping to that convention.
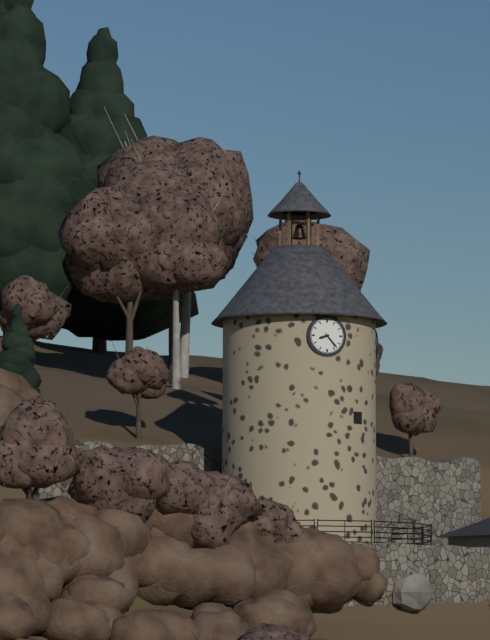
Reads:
8,23
